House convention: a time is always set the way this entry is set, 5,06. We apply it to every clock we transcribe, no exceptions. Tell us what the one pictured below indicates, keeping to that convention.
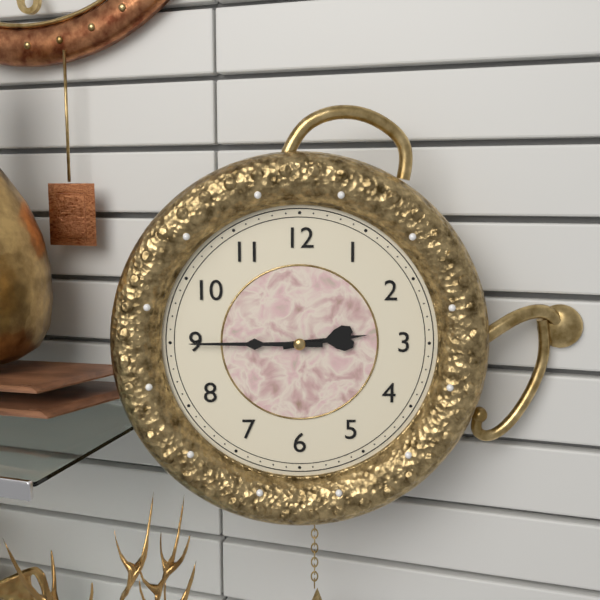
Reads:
2,45
